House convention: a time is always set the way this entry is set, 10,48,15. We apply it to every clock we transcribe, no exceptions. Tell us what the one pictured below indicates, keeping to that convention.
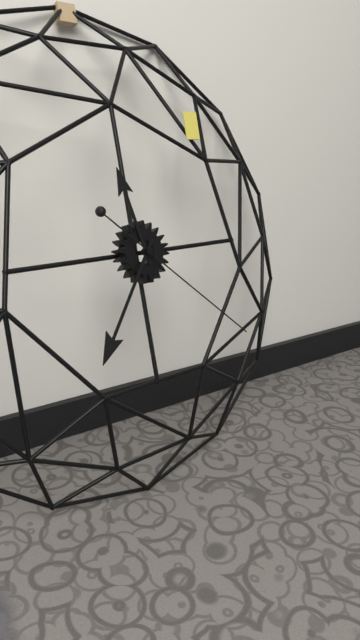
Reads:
11,36,22
